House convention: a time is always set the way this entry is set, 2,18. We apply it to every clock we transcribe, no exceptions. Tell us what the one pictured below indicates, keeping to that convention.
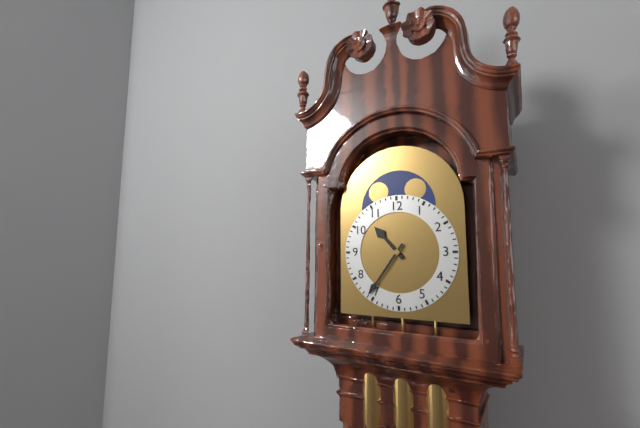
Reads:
10,36
